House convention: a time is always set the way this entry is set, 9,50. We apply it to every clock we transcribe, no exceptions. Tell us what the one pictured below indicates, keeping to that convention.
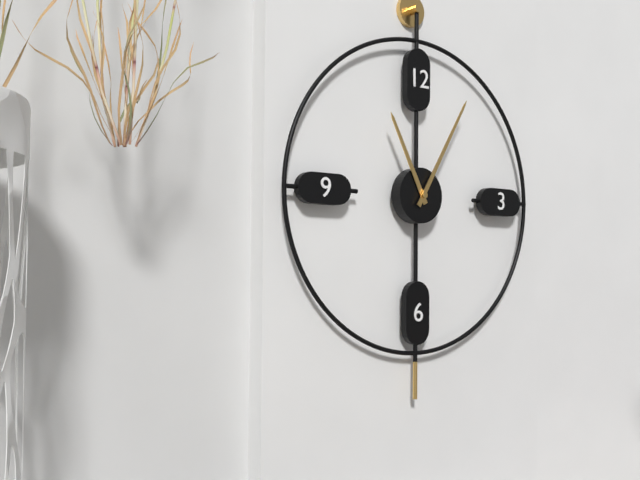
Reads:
11,05
